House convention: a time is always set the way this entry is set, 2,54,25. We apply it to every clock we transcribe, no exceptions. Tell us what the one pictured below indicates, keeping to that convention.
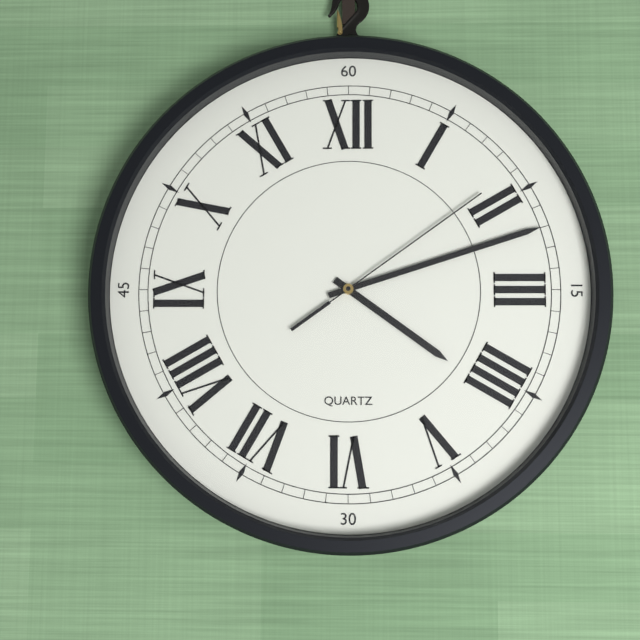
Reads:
4,12,09
